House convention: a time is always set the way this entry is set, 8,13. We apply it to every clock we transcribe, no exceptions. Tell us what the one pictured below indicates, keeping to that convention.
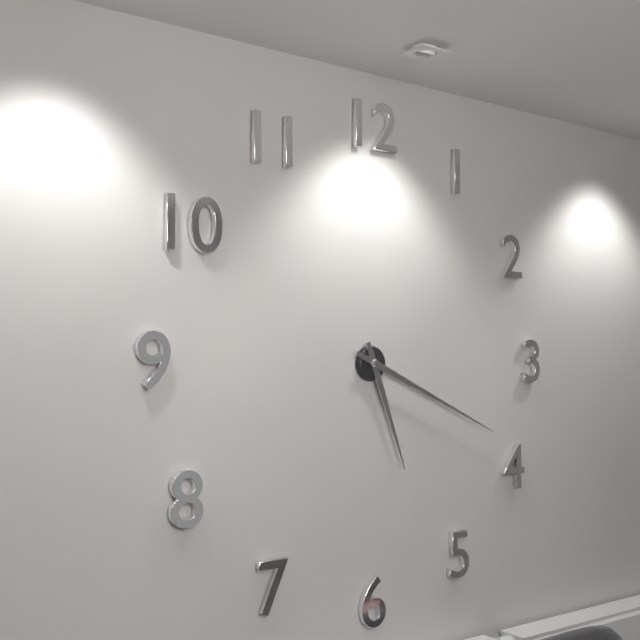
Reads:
5,19
